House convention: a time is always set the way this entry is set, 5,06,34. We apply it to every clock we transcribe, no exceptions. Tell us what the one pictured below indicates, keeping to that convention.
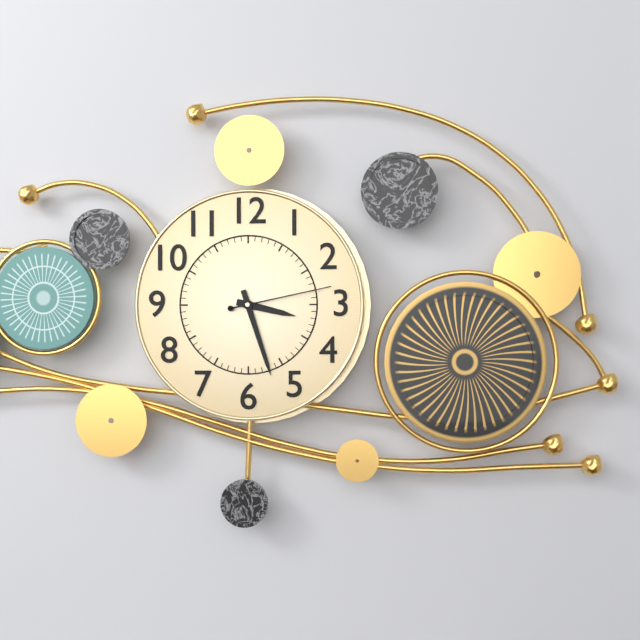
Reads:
3,27,13
